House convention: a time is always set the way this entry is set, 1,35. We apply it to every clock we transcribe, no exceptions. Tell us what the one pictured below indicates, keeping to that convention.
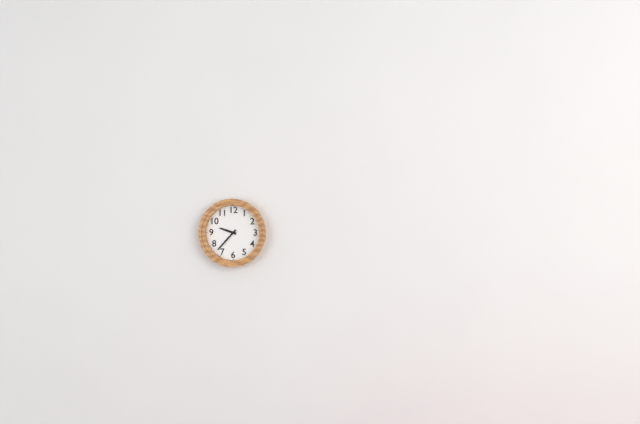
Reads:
9,37
